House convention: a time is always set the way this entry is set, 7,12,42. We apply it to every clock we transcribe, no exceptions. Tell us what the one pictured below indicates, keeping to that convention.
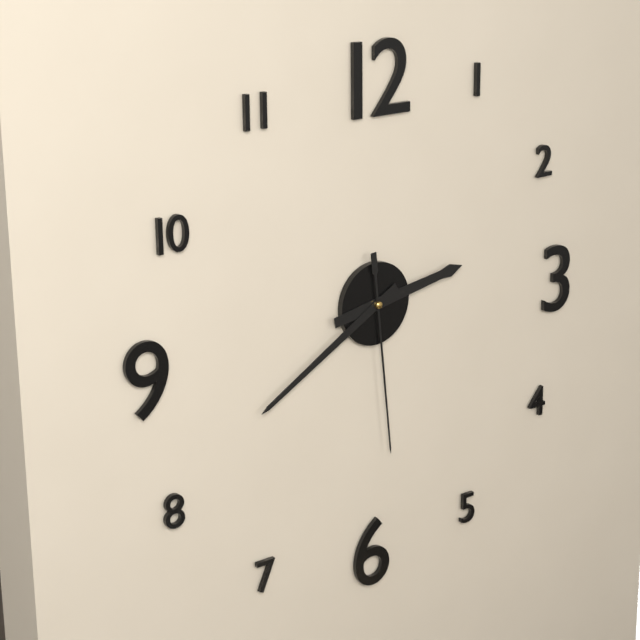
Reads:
2,40,29
